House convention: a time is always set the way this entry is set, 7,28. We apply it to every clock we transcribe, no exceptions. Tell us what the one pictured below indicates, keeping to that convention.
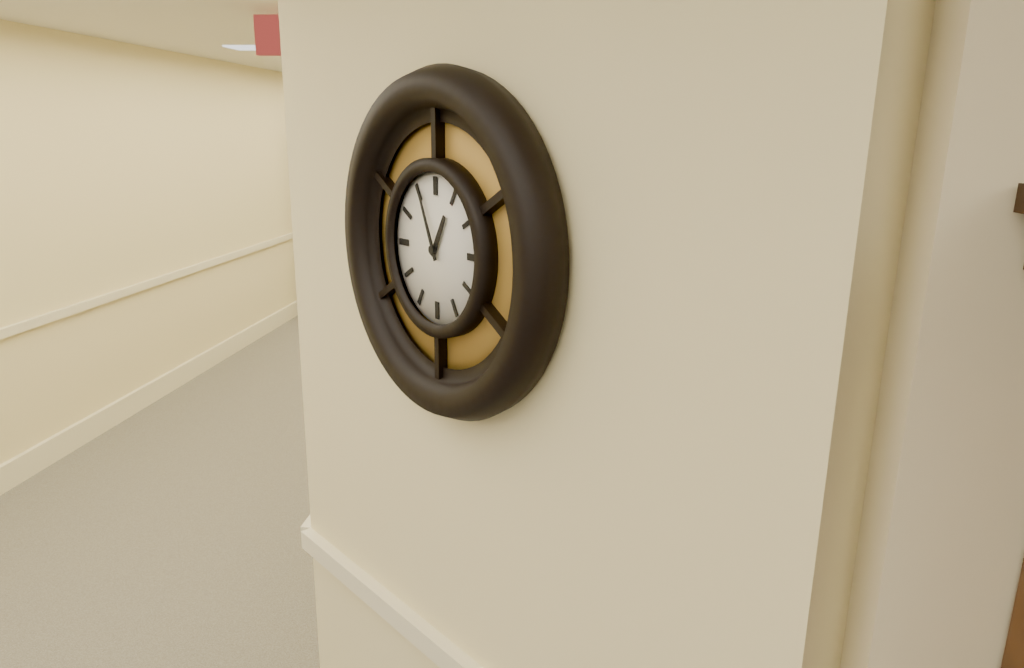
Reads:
12,56
